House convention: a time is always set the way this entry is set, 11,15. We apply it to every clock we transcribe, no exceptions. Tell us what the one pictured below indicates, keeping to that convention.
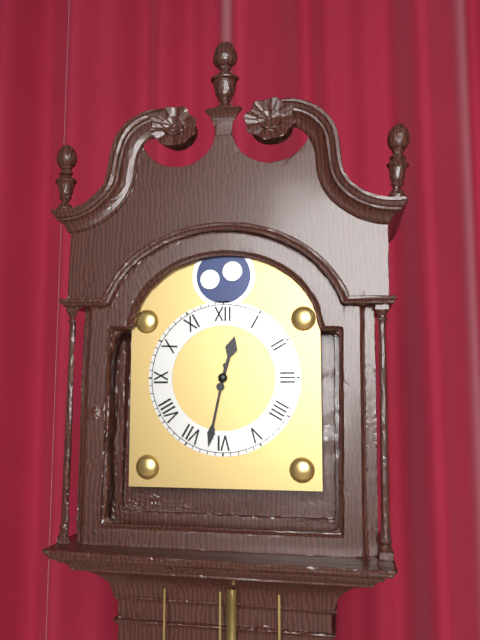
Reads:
12,32
